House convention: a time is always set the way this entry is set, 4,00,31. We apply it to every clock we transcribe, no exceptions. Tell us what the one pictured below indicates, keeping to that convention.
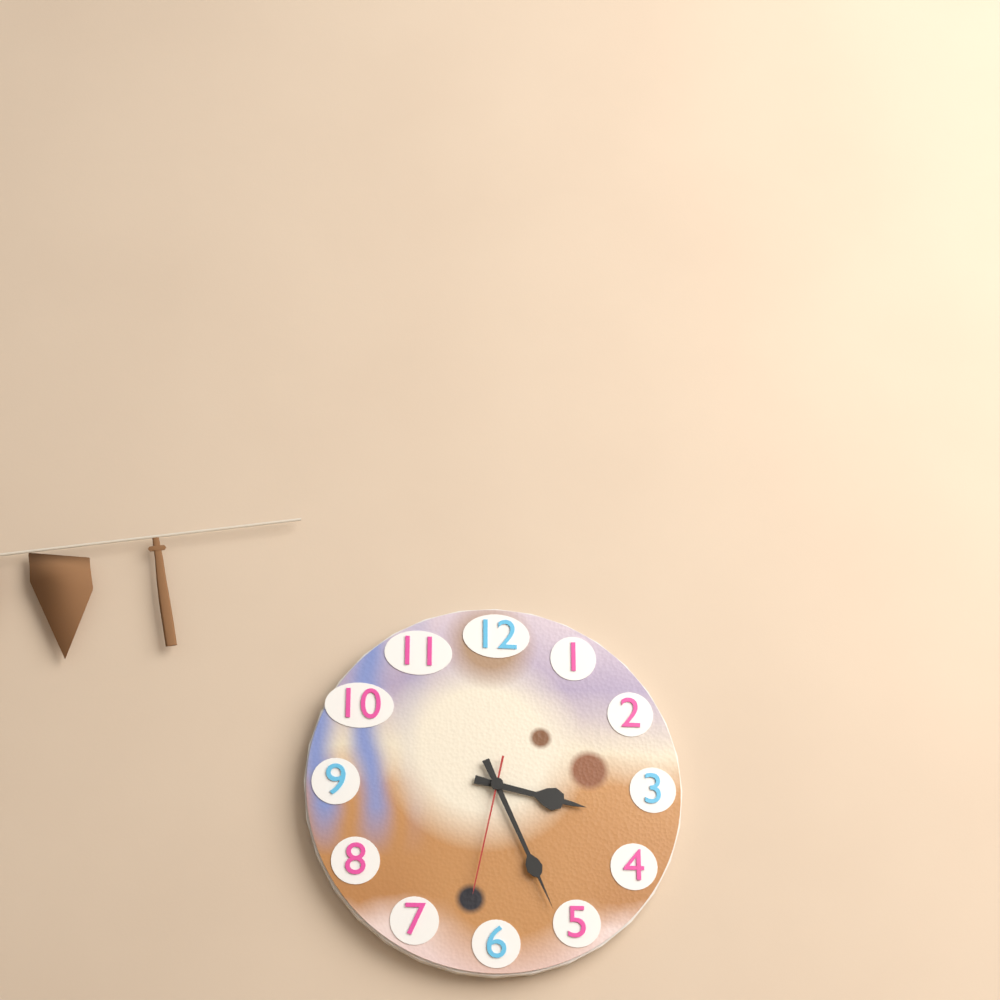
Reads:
3,26,32
